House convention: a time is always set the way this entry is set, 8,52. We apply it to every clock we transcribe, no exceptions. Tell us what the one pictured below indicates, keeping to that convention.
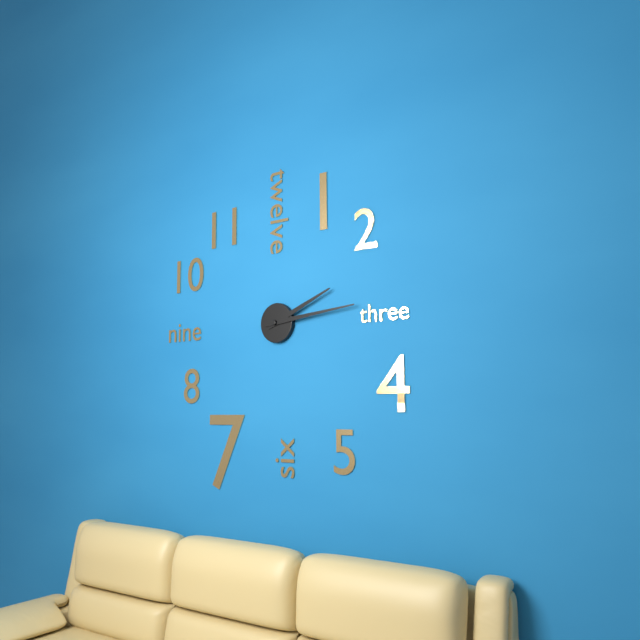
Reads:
2,14
